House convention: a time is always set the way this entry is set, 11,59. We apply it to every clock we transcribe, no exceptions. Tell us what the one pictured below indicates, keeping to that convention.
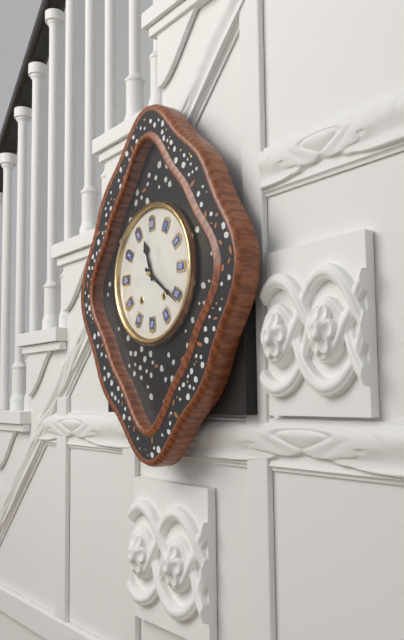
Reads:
11,21
